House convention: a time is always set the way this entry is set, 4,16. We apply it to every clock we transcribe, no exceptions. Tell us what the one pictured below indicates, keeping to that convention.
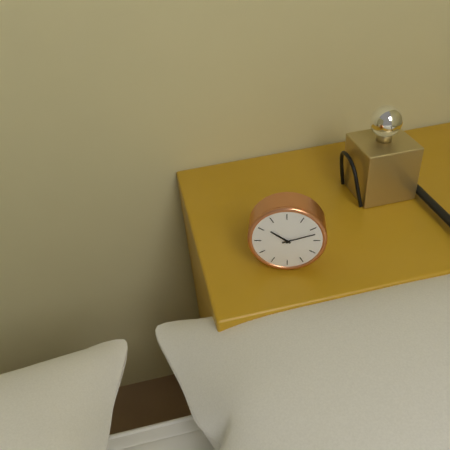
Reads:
10,12
